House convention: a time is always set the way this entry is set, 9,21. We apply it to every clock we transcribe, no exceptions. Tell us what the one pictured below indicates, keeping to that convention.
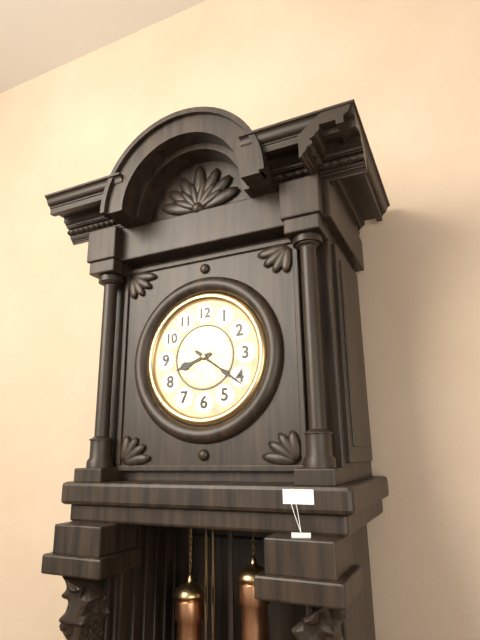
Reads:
8,21
